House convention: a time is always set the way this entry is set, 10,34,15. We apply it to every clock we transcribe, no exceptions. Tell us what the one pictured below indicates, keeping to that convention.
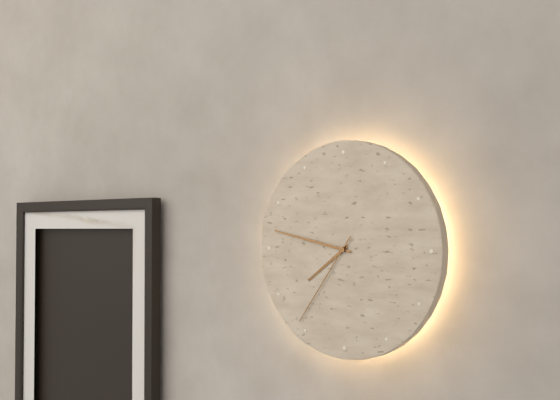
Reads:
7,47,36
